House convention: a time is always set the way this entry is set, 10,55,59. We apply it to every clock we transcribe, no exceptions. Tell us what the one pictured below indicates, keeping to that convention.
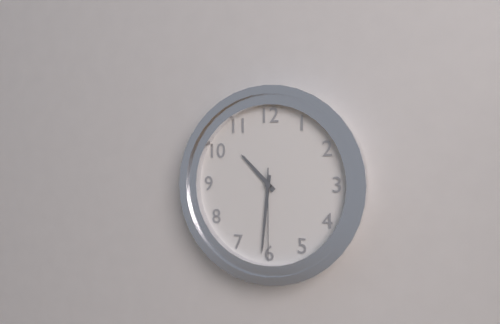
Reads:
10,31,30
